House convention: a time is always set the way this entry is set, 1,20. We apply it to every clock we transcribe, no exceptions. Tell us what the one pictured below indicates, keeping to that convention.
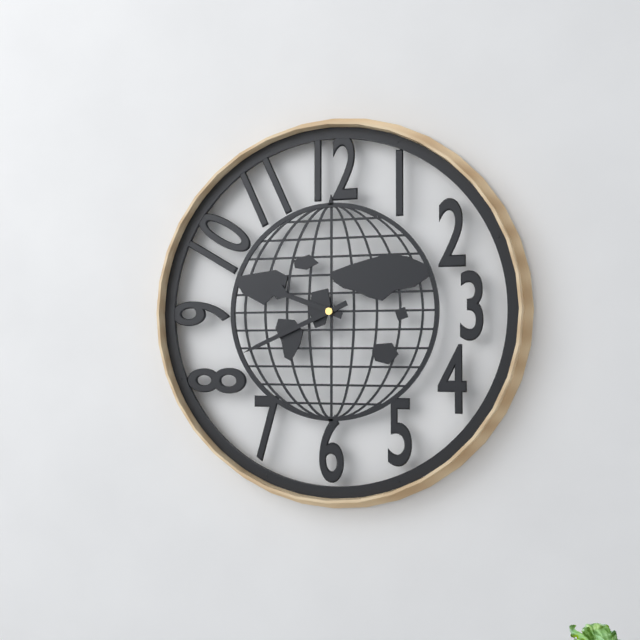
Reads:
9,41
